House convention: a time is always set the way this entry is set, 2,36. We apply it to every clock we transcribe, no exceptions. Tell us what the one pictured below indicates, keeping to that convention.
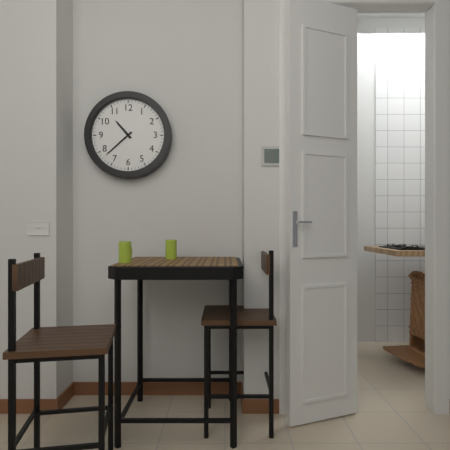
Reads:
10,38
